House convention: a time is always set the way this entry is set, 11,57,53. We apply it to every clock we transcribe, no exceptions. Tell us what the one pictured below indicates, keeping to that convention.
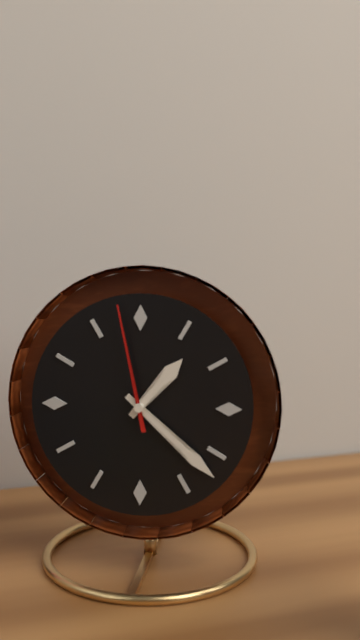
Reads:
1,22,58
